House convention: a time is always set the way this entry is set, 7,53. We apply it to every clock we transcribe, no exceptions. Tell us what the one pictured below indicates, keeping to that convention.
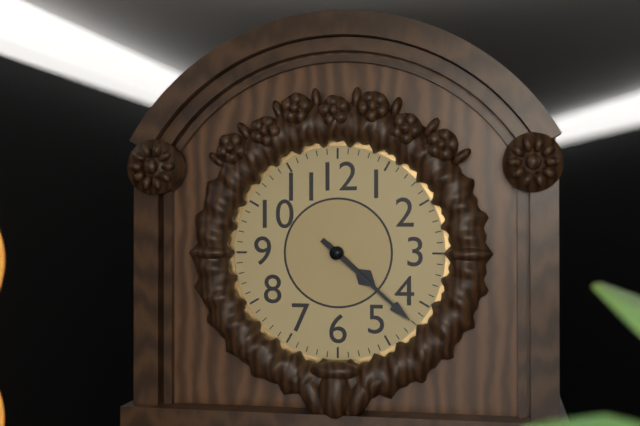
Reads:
4,22
